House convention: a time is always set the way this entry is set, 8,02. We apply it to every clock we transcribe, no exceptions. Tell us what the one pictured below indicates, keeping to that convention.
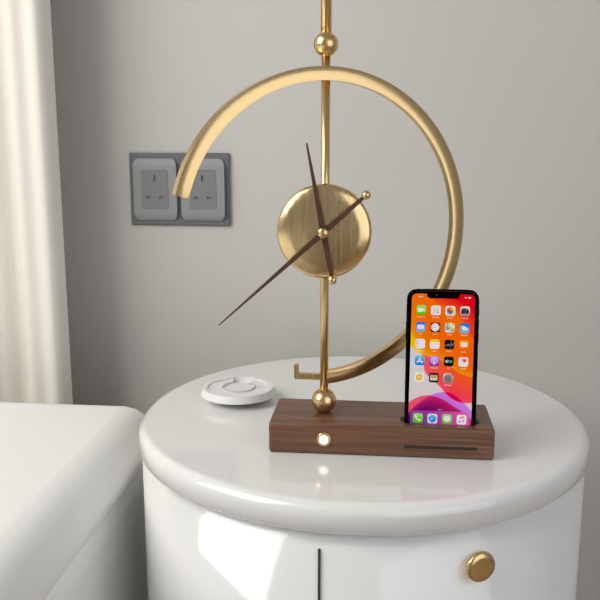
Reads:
11,38
